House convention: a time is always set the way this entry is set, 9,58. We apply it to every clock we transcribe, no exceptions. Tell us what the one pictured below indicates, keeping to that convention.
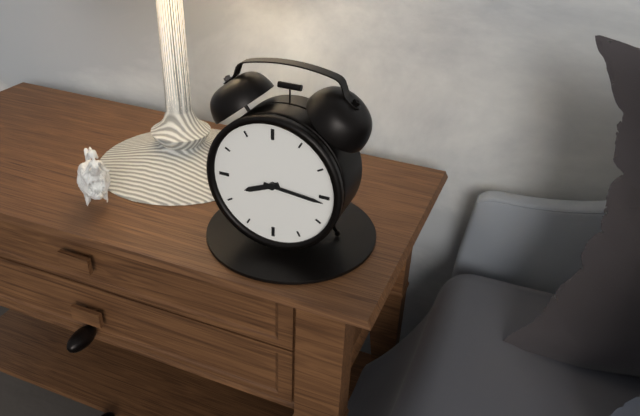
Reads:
8,16
